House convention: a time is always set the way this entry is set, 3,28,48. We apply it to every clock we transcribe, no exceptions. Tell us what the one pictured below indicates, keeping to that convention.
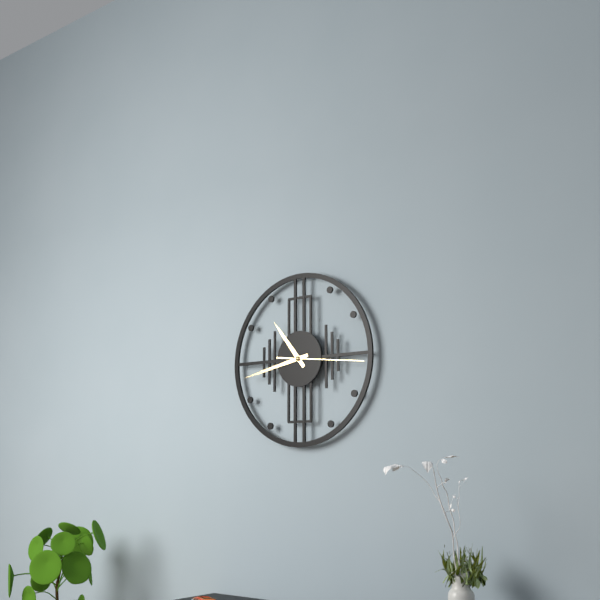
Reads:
10,43,16
